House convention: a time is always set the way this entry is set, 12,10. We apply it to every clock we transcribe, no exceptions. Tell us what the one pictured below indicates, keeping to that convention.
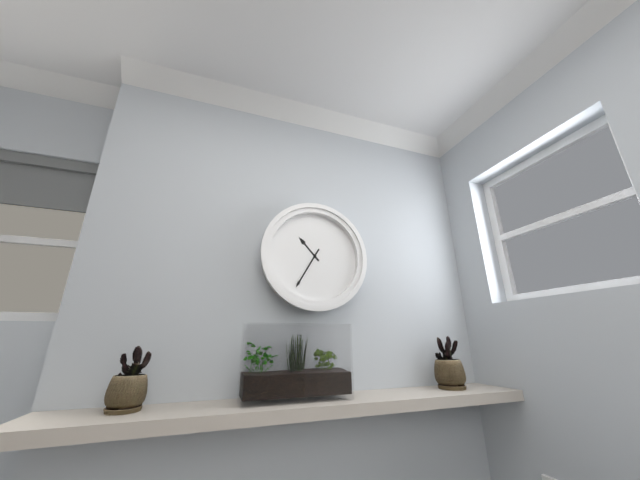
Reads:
10,35
